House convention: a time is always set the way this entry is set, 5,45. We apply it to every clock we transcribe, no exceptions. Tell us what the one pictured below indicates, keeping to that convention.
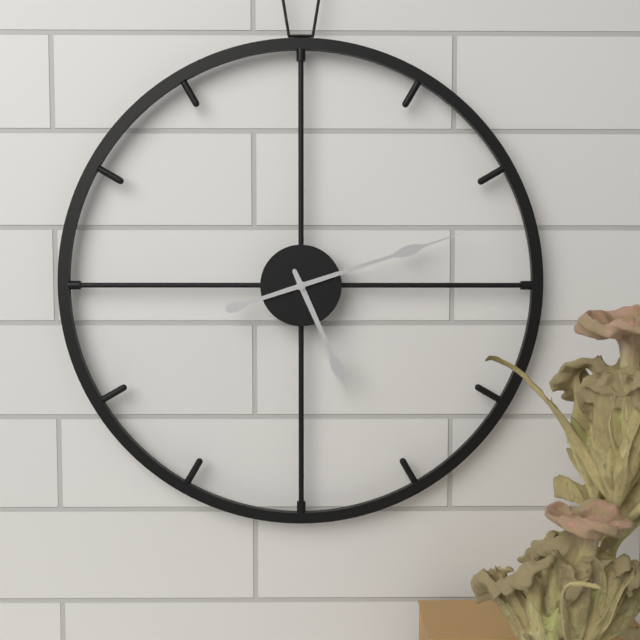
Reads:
5,12
